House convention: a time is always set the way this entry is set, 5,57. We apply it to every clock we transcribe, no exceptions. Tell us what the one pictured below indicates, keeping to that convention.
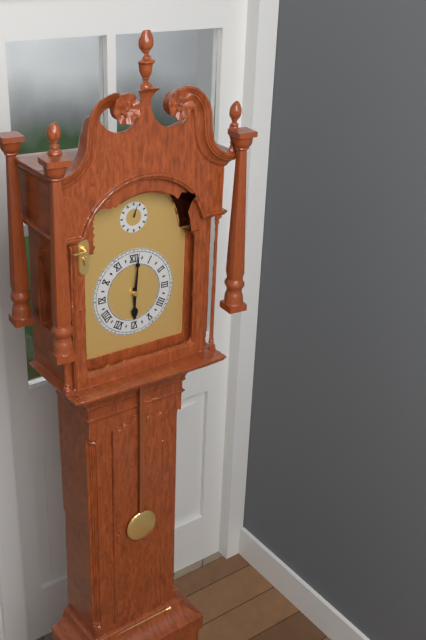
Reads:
6,01
